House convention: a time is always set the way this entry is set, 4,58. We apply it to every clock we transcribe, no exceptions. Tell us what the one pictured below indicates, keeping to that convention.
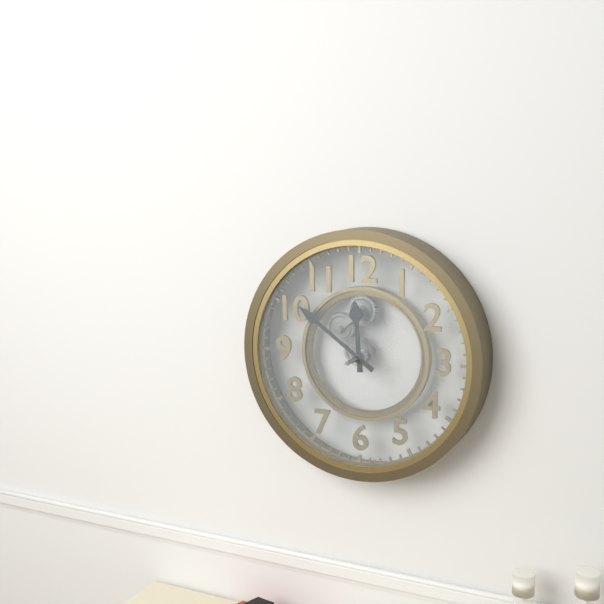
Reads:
11,51
